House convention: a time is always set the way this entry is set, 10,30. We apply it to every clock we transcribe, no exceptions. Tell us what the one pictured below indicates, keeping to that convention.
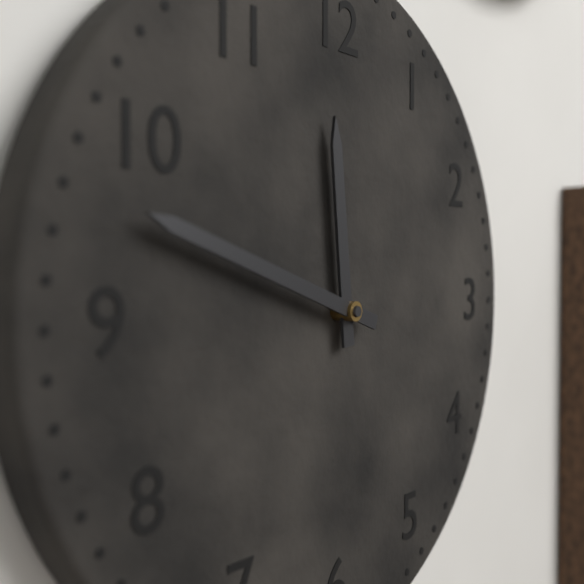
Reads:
11,48
